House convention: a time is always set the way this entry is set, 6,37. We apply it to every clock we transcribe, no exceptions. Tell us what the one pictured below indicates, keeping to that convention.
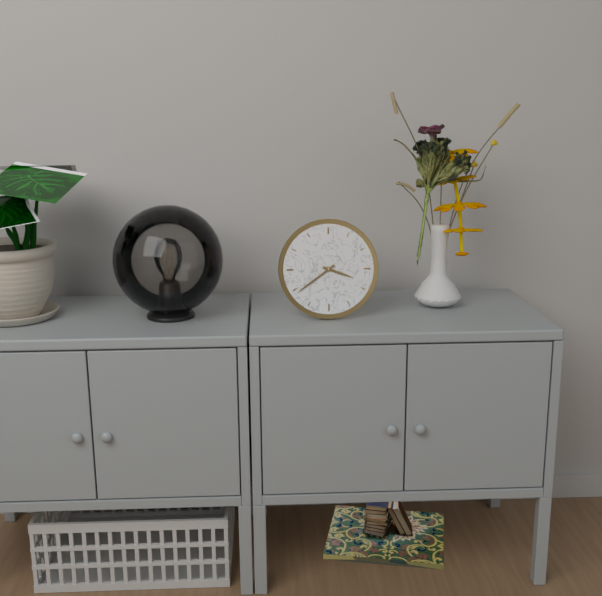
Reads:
3,39
